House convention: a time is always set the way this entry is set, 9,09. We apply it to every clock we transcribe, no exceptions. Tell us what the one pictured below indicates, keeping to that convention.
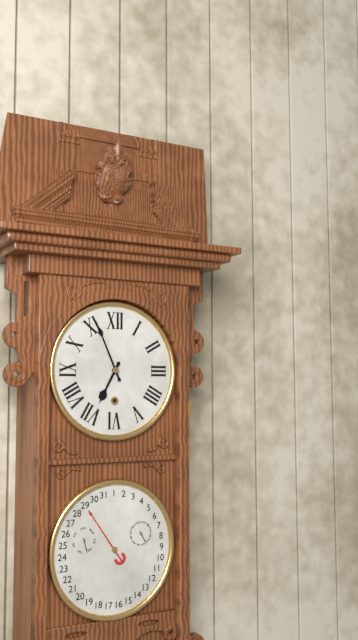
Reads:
6,56
